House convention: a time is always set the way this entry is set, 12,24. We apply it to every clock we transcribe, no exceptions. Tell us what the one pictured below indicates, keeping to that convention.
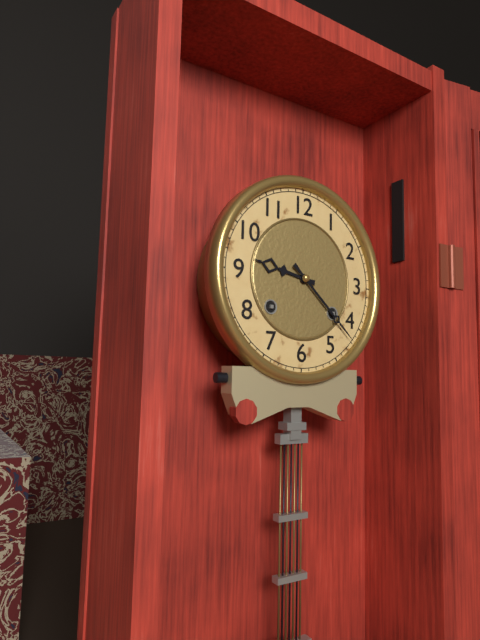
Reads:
9,22
